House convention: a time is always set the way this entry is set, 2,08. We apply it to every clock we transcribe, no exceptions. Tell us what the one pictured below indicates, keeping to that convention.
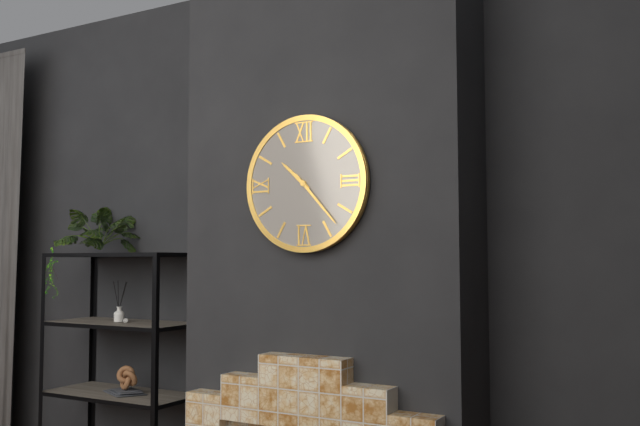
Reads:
10,23
